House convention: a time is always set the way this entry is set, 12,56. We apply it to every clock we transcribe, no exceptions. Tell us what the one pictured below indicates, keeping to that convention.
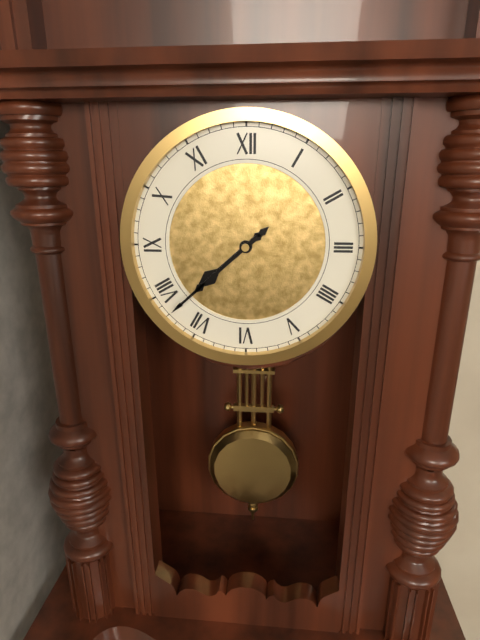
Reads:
7,38
